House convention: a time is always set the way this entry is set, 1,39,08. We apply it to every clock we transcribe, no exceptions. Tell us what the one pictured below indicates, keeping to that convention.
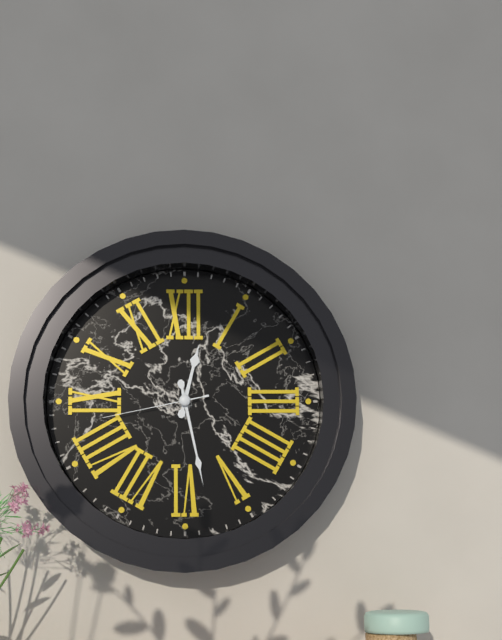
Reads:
12,28,43
